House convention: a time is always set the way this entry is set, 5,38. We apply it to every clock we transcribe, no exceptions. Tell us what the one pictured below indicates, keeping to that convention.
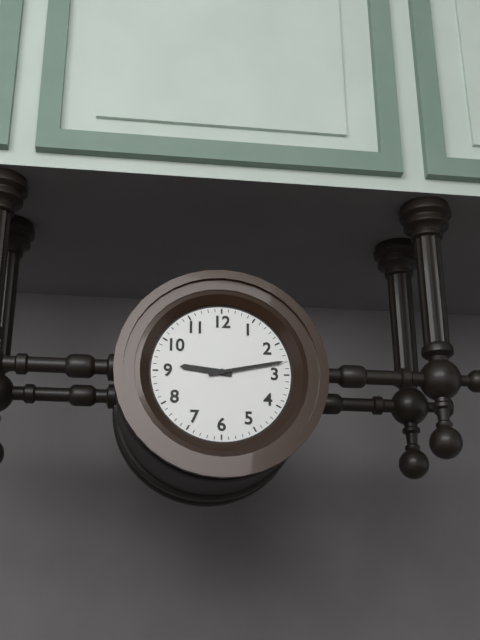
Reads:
9,13
